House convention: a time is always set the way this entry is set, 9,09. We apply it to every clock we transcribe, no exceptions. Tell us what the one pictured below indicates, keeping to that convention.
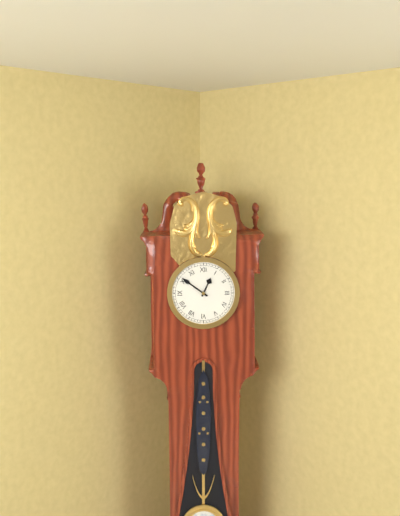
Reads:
12,51
